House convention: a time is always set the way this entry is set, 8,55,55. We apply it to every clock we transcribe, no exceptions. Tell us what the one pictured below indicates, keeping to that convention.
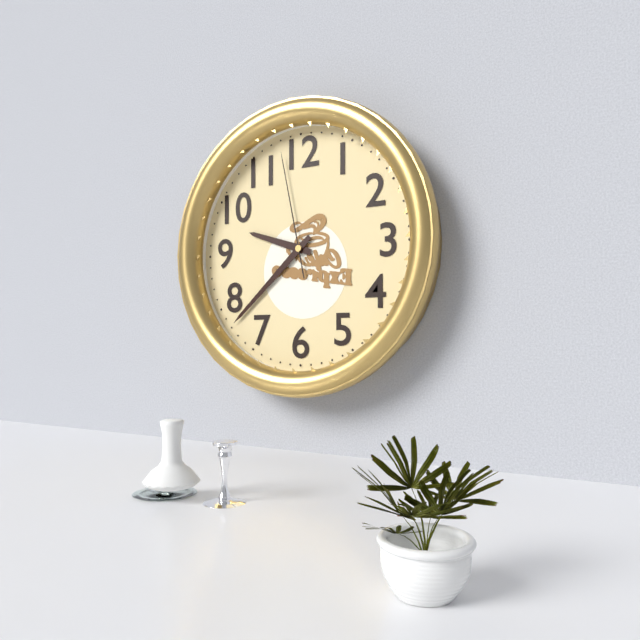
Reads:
9,38,58
